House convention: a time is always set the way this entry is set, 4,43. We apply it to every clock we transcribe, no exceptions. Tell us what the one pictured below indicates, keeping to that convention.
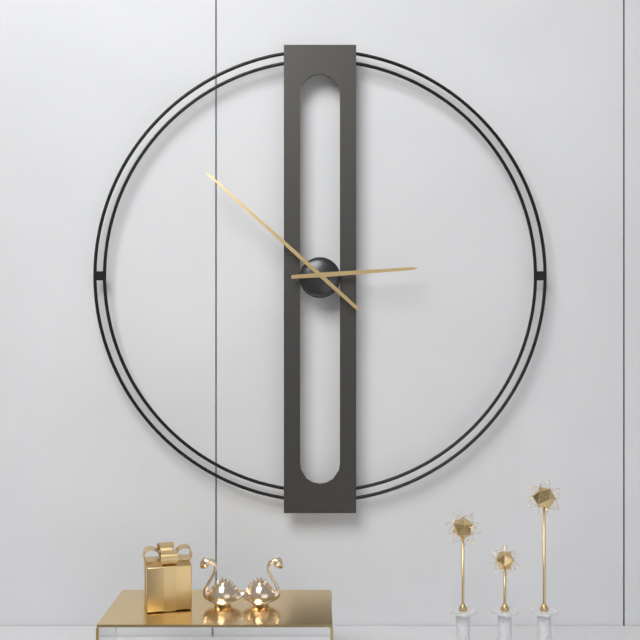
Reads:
2,52
